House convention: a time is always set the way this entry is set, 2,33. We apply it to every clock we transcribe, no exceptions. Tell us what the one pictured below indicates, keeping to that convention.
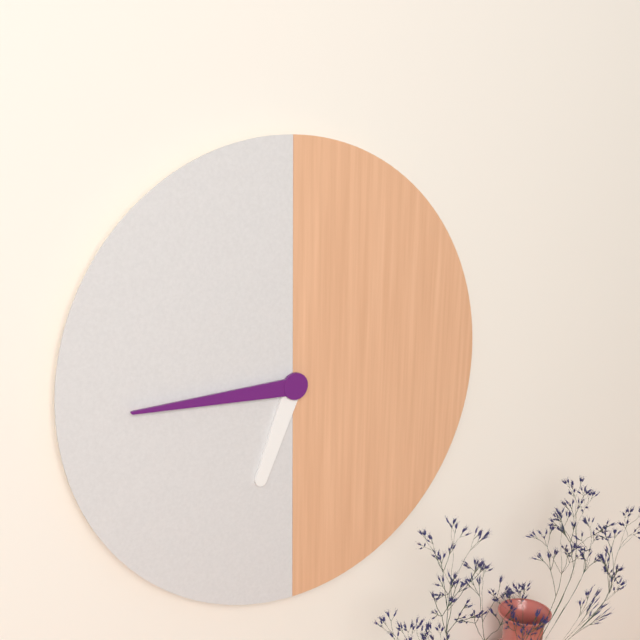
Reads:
6,45
